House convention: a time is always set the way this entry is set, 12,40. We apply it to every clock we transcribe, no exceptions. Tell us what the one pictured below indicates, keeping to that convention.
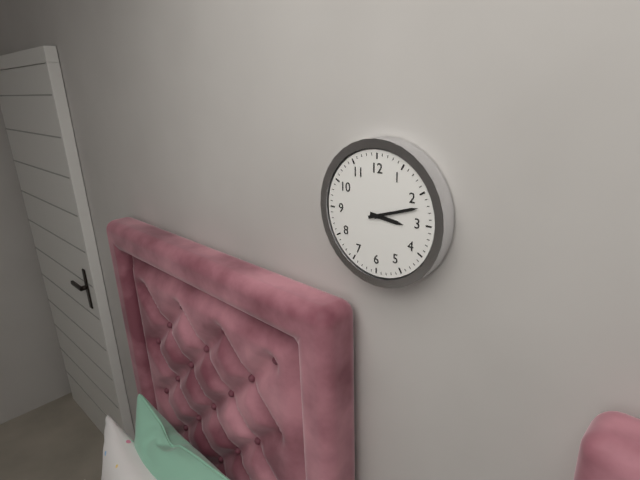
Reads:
3,12
